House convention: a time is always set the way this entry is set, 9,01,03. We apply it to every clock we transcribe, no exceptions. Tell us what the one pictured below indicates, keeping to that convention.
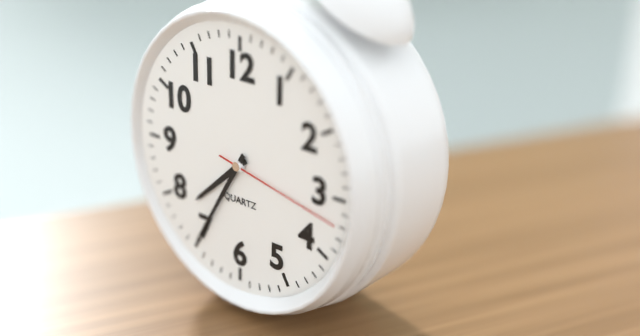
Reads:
7,35,17
